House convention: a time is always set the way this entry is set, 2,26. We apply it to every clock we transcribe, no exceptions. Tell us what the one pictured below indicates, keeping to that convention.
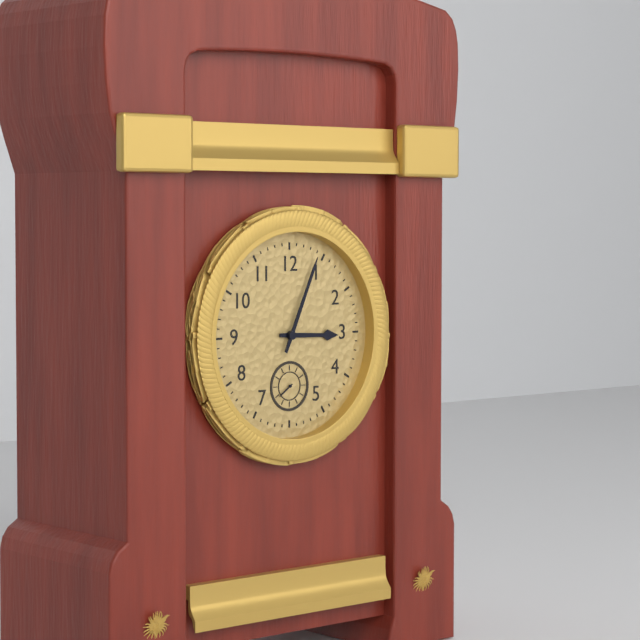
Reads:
3,04
